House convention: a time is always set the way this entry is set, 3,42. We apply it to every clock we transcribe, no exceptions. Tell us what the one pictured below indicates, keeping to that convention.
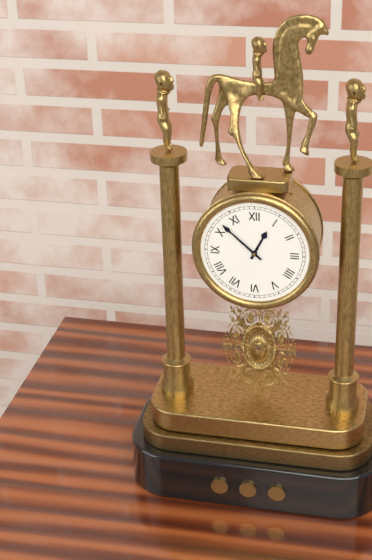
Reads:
12,52
